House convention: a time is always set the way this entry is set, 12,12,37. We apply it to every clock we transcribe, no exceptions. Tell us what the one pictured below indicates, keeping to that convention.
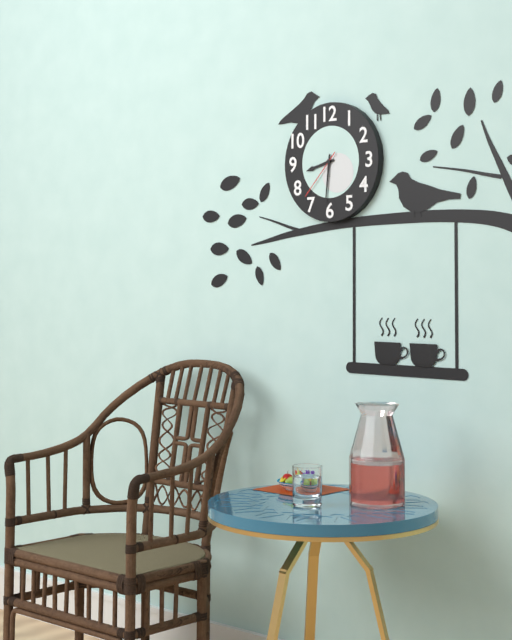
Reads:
8,31,37
